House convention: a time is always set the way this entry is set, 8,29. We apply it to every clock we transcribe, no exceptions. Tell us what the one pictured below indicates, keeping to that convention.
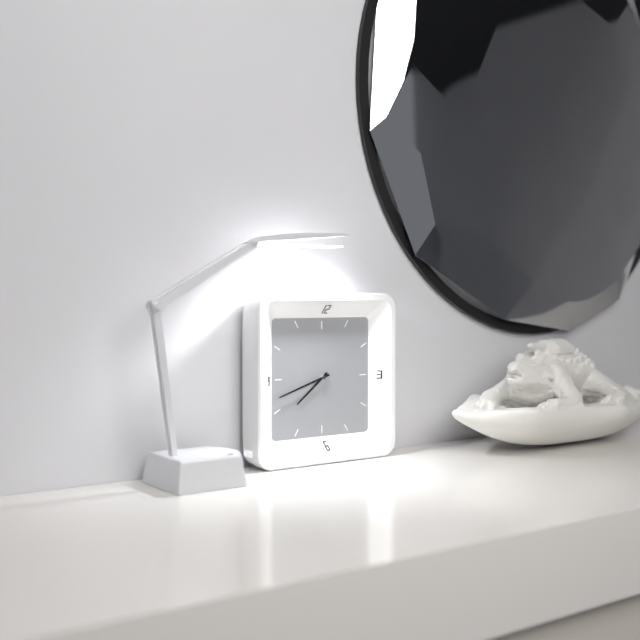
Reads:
7,42
